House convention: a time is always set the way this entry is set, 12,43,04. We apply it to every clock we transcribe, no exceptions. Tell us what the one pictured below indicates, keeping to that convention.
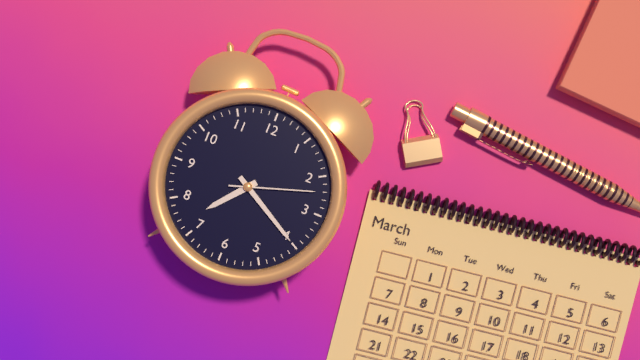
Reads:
7,20,12
